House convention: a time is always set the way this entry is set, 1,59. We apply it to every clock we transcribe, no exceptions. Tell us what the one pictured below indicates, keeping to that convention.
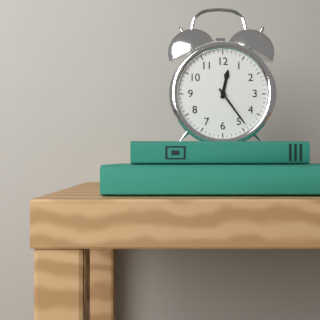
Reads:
12,24
